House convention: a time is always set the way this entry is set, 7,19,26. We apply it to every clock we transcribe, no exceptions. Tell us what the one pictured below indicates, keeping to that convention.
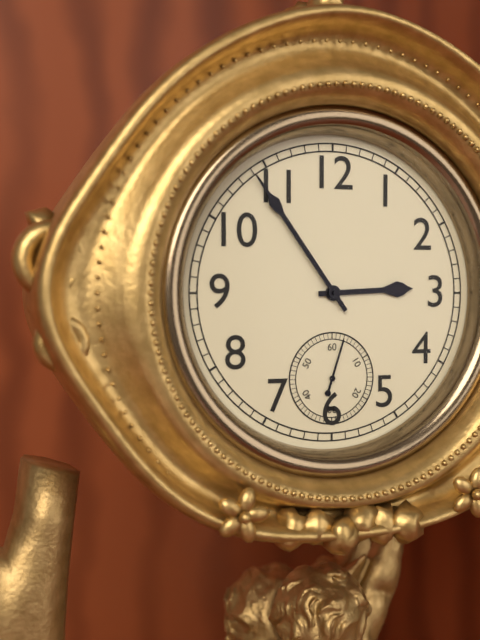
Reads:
2,54,03
